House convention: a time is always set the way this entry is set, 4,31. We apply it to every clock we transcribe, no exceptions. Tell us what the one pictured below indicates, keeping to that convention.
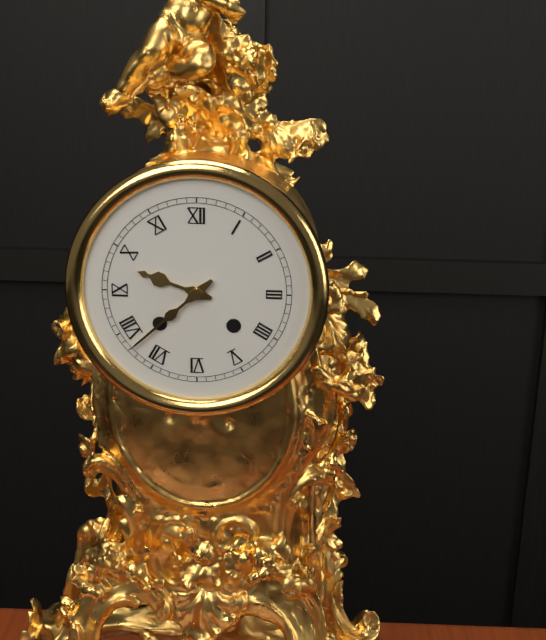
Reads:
9,38
